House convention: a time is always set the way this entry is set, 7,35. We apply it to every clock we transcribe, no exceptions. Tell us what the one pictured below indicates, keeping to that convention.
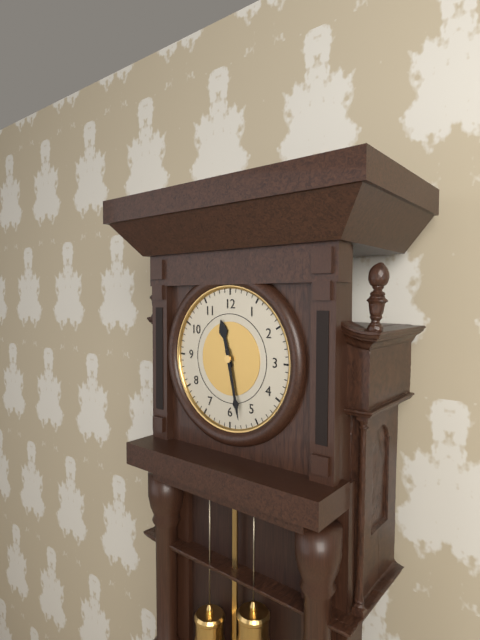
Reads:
11,28
